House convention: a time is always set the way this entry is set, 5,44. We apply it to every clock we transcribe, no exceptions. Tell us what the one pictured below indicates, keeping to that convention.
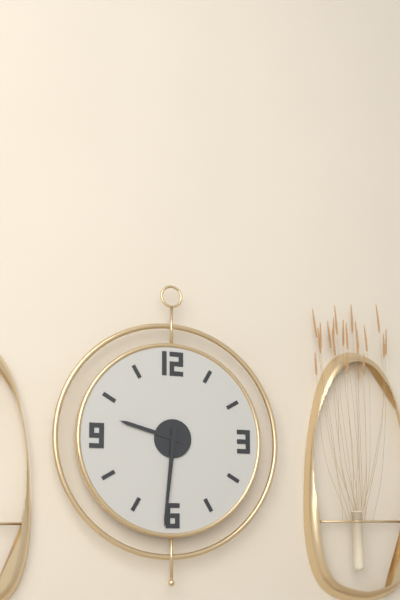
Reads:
9,31
